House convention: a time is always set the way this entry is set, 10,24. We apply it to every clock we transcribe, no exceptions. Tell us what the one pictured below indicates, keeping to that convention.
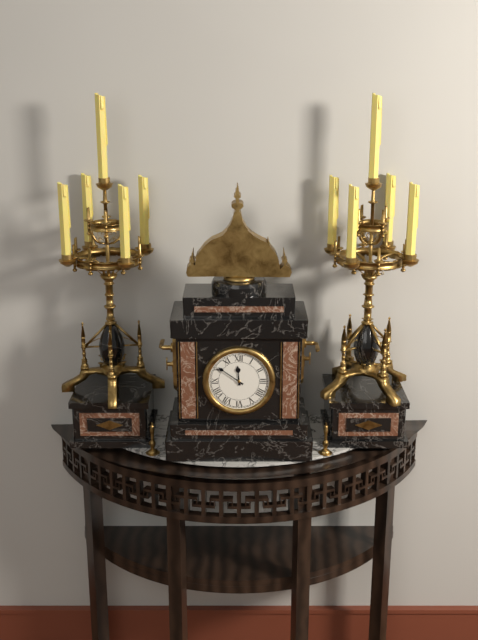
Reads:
11,51
